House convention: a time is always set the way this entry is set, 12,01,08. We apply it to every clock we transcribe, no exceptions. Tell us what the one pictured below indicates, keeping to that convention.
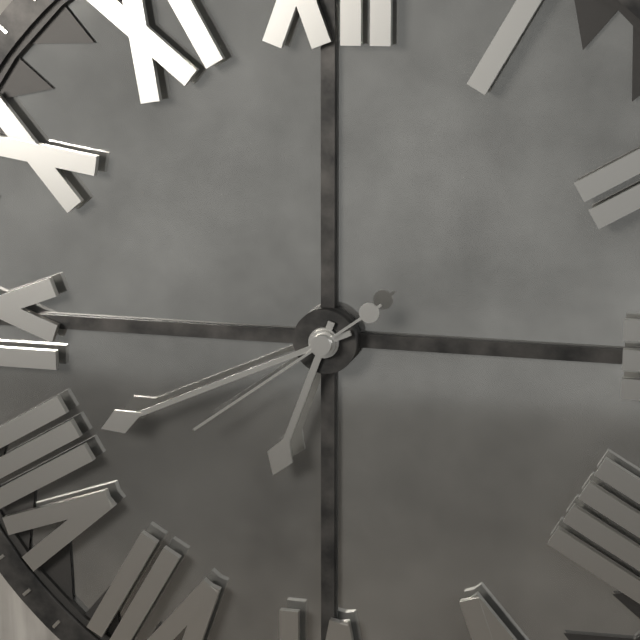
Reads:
6,41,39
